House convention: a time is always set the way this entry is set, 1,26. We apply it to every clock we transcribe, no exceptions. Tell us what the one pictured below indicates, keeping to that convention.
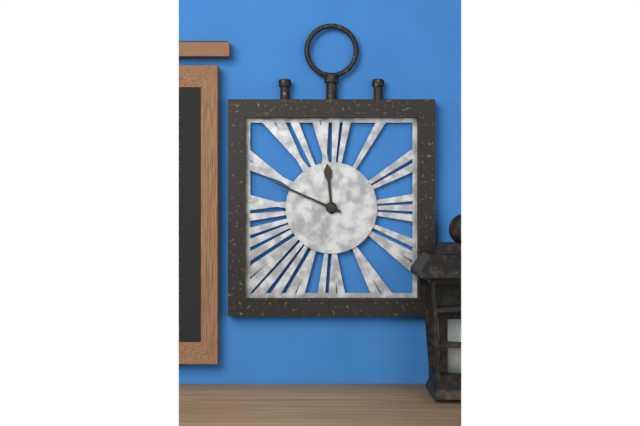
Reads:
11,49
